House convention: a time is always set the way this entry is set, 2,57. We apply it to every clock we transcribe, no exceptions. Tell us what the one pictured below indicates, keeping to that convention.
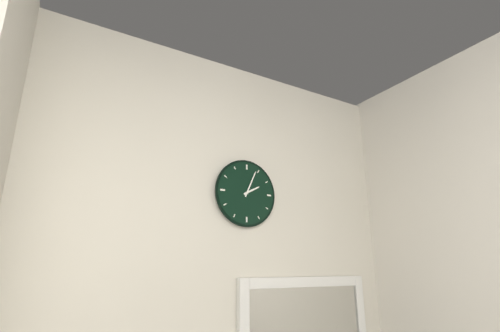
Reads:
2,04
